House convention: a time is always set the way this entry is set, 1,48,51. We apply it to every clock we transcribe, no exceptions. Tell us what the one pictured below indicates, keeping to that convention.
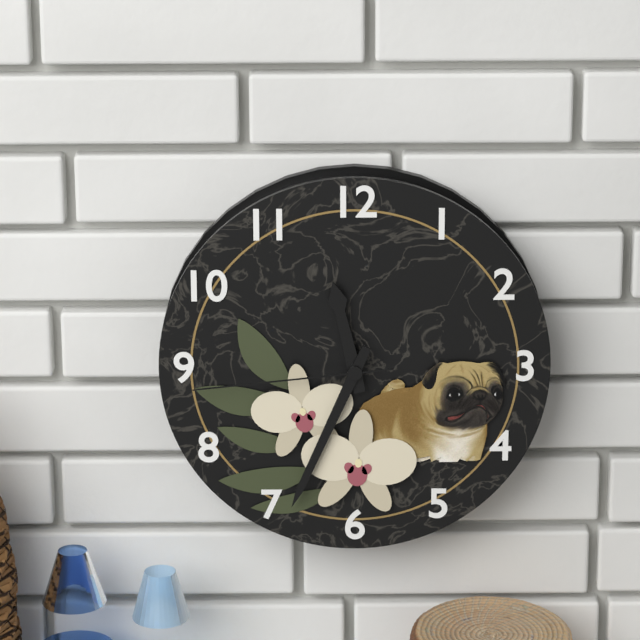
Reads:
11,34,44
